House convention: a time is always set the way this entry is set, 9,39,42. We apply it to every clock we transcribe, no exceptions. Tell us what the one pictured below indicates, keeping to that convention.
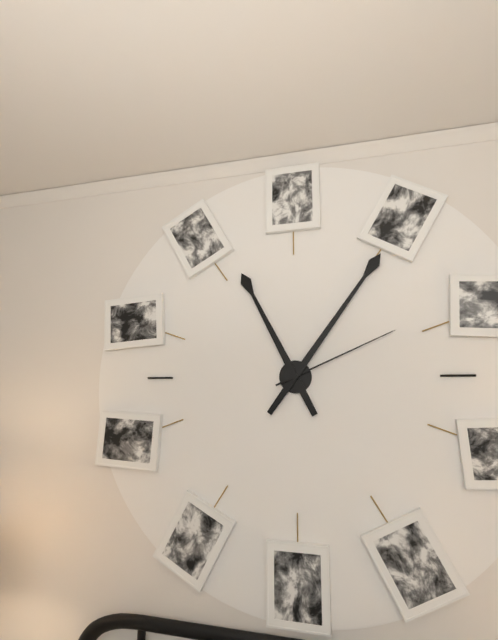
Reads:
11,06,11
